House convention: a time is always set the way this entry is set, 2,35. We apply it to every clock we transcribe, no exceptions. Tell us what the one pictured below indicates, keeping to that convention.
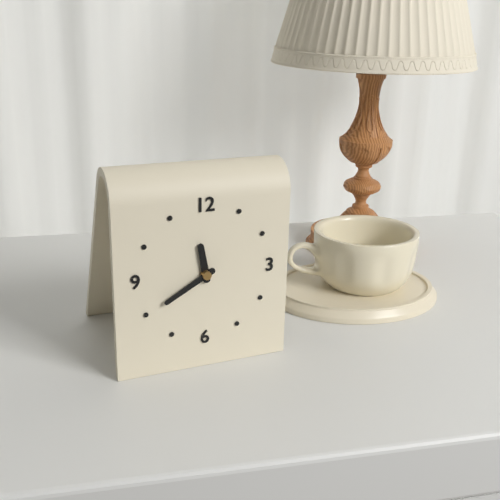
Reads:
11,40
